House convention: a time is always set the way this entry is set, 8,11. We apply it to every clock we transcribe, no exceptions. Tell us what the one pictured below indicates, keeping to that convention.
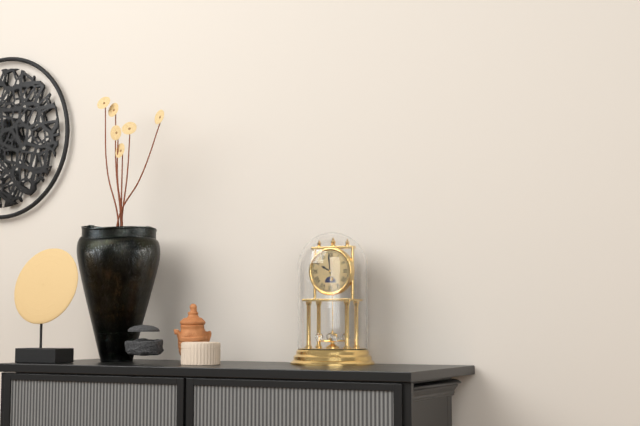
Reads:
9,59
